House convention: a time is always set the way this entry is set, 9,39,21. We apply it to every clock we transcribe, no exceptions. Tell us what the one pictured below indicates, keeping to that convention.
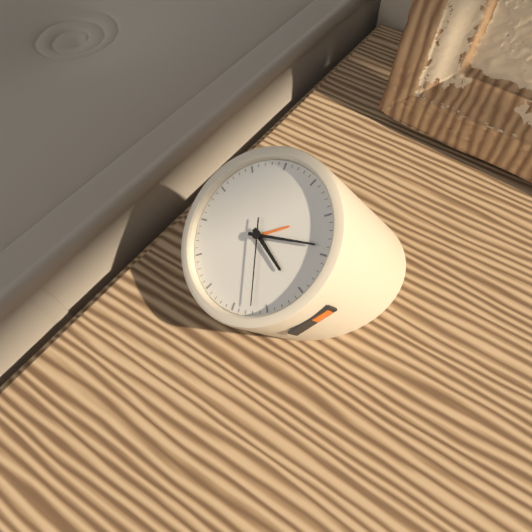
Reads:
3,09,22
